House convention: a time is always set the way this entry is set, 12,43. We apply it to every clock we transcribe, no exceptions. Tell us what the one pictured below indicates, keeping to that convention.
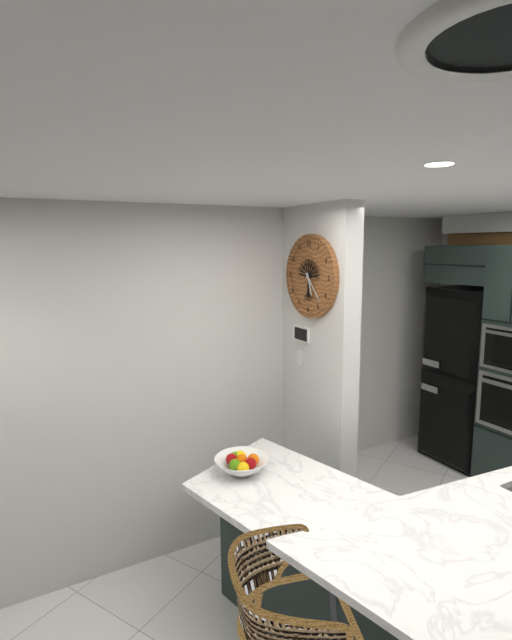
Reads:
5,23
